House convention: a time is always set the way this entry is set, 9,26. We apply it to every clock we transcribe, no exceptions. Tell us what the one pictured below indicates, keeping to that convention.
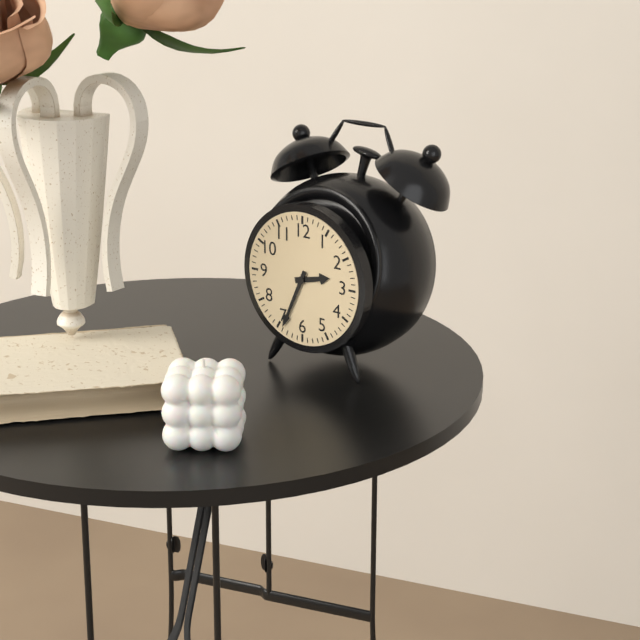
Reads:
2,34
